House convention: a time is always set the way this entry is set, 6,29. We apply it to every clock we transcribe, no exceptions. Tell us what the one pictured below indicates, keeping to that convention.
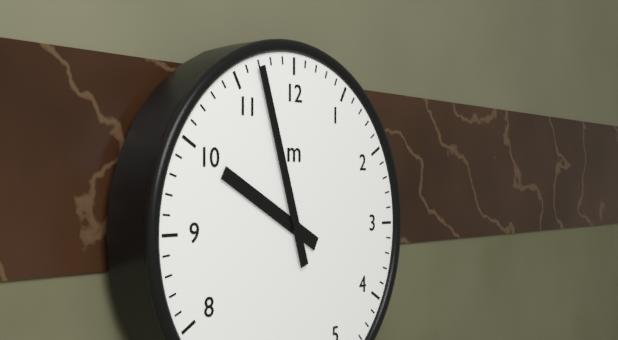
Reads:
9,57
